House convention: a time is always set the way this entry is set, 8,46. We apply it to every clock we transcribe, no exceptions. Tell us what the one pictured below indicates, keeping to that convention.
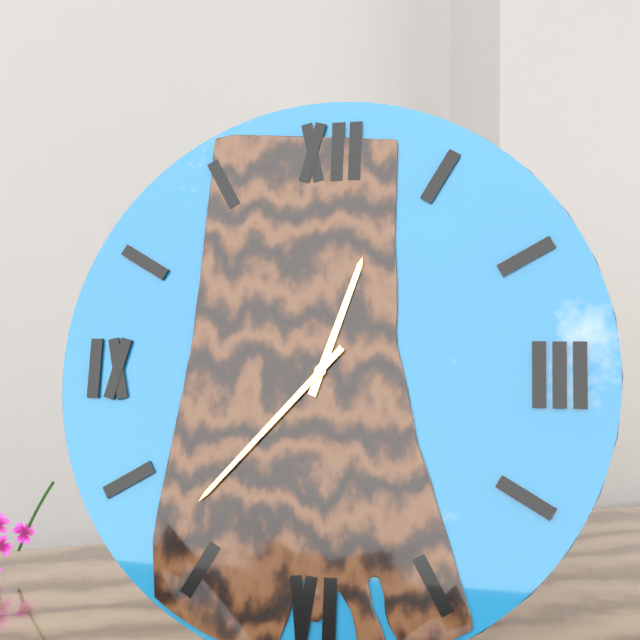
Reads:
12,37
